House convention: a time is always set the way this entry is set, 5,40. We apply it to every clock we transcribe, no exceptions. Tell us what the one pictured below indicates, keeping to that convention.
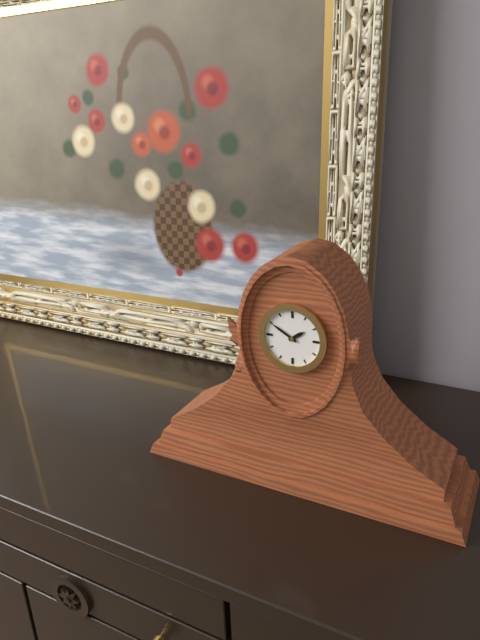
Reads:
1,50
